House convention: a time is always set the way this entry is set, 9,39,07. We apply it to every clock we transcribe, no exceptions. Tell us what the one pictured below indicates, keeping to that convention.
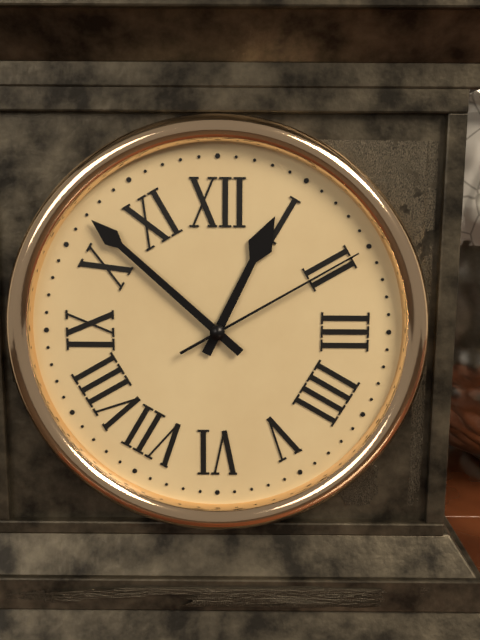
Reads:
12,52,10
